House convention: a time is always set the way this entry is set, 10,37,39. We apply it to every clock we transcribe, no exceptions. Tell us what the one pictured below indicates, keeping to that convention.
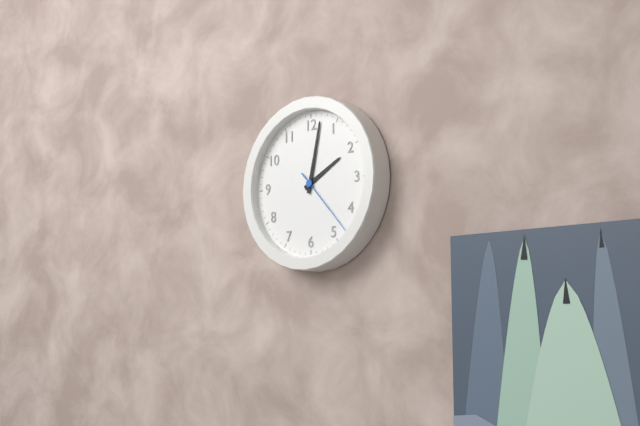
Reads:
2,02,23
